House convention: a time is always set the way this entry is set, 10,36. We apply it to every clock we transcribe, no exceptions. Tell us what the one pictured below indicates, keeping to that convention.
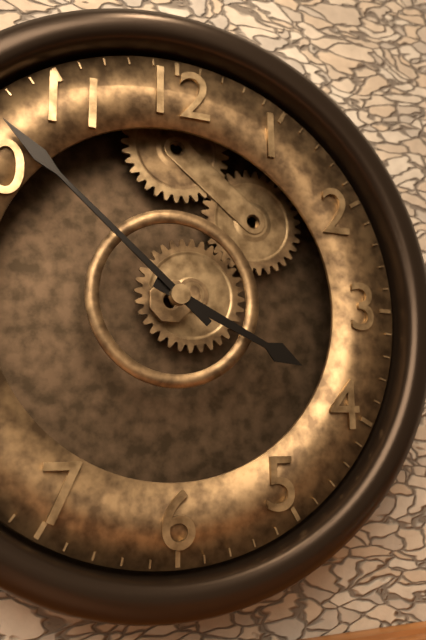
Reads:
3,52
